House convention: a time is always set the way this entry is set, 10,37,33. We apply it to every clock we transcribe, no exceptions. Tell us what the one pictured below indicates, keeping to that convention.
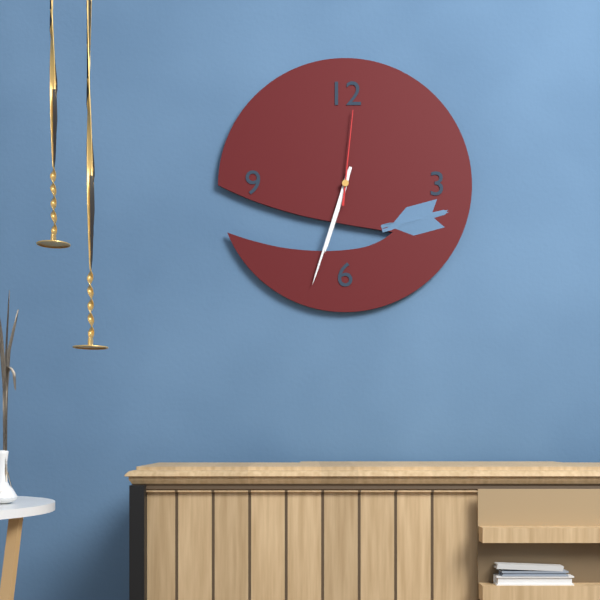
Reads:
6,33,01
